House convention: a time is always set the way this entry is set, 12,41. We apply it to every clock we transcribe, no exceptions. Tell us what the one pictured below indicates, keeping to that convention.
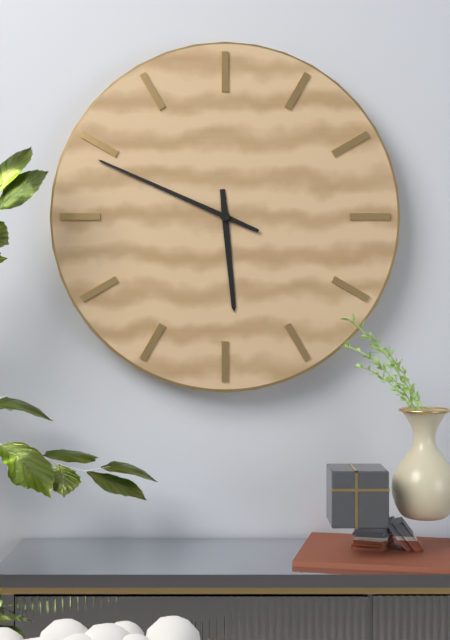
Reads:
5,49
